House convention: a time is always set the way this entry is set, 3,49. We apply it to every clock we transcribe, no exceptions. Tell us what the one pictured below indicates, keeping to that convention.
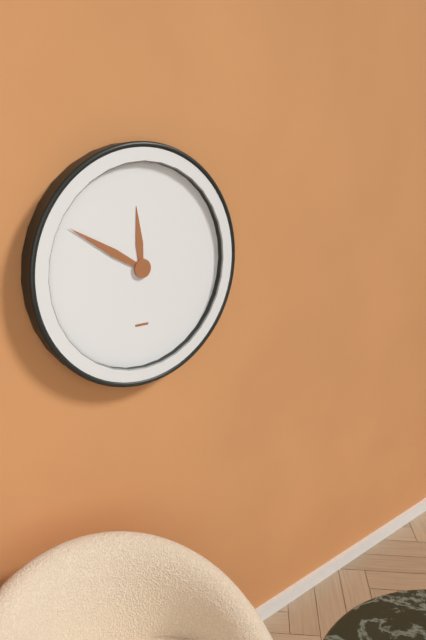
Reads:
11,50
